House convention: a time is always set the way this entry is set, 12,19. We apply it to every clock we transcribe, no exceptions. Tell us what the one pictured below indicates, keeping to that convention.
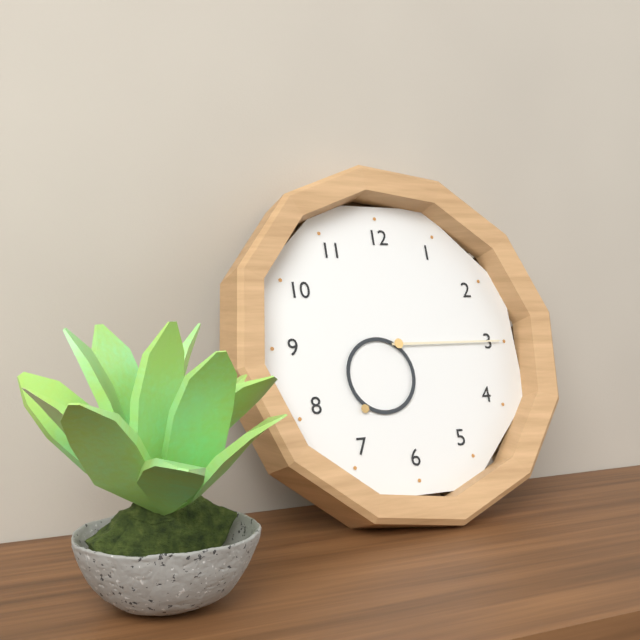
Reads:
7,15
